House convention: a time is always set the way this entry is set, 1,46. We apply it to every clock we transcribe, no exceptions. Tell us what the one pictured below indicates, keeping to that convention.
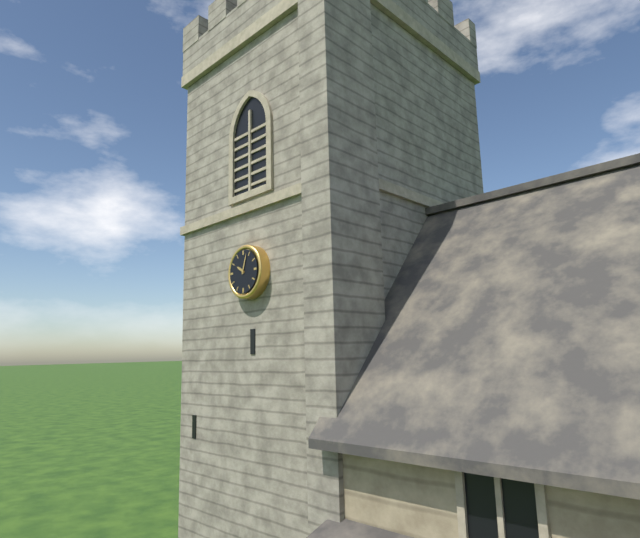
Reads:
10,03
